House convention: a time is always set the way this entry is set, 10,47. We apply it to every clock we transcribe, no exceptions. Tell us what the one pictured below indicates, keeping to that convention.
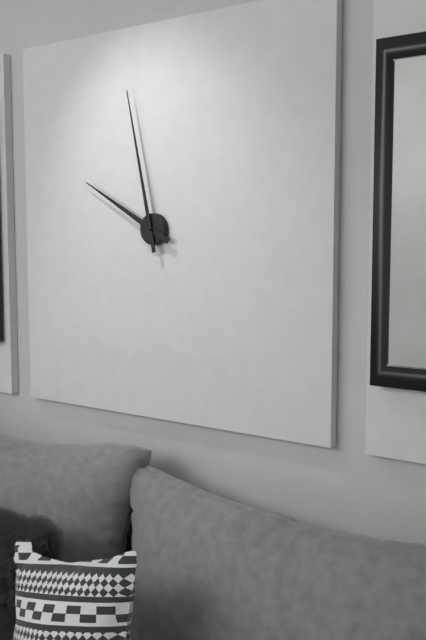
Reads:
9,58
